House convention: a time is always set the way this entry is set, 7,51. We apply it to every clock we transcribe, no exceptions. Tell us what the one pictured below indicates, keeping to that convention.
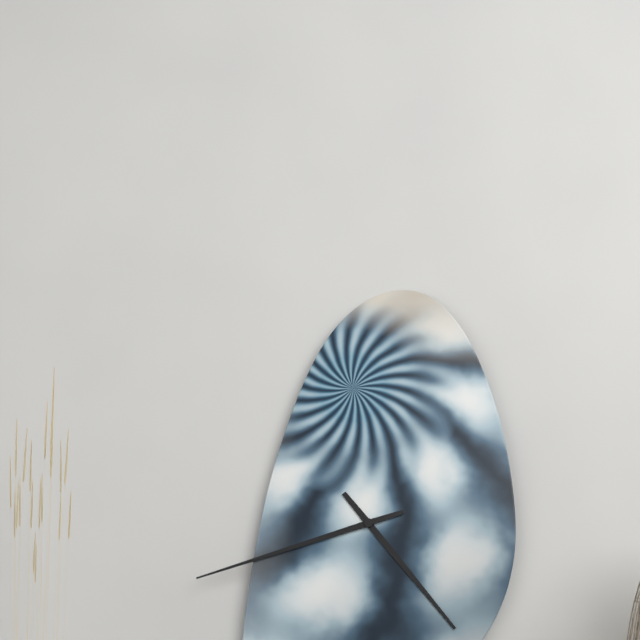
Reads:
4,42
